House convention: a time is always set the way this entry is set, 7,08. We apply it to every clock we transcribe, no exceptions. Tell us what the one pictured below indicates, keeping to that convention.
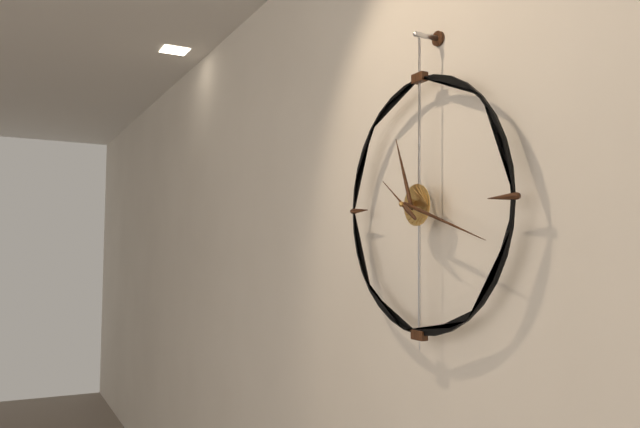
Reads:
11,18
